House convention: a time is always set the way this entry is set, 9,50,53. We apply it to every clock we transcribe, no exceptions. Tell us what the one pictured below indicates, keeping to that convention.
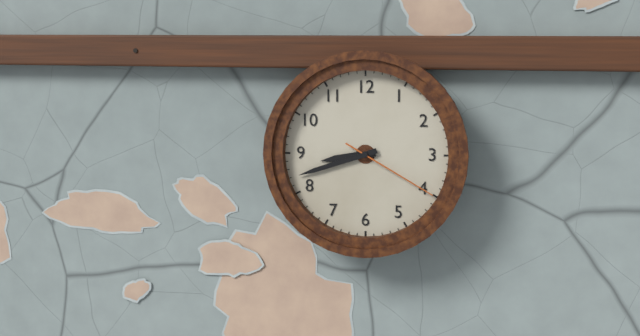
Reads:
8,42,20
